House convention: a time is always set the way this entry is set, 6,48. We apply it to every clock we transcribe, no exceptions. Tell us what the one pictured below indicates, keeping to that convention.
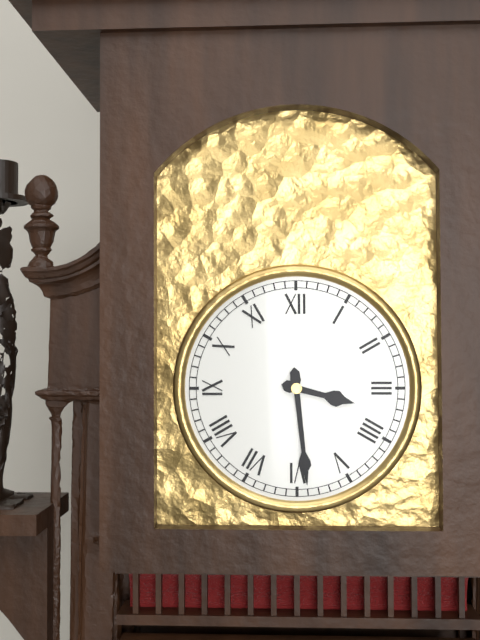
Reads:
3,29
